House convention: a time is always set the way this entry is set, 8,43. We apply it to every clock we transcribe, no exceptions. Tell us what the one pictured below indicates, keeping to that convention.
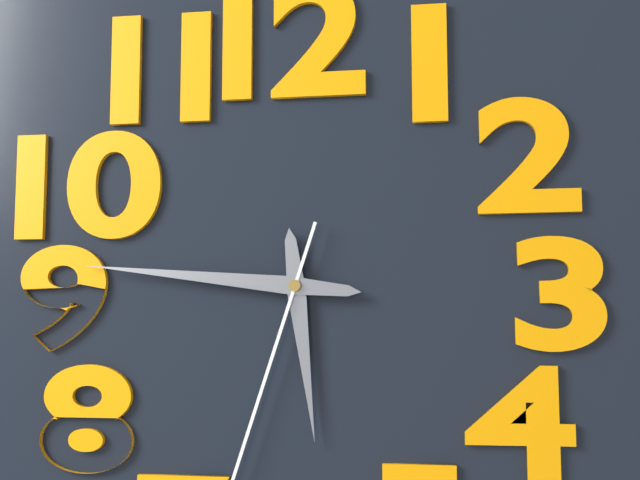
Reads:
5,46
